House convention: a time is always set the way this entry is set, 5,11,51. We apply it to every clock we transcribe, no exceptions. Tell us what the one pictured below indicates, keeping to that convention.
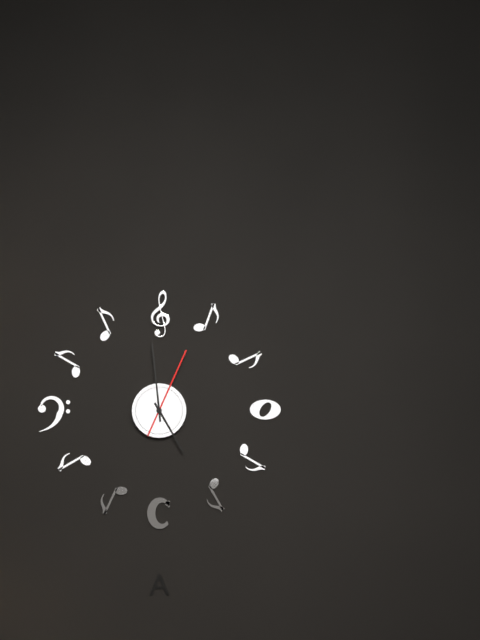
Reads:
4,59,04
